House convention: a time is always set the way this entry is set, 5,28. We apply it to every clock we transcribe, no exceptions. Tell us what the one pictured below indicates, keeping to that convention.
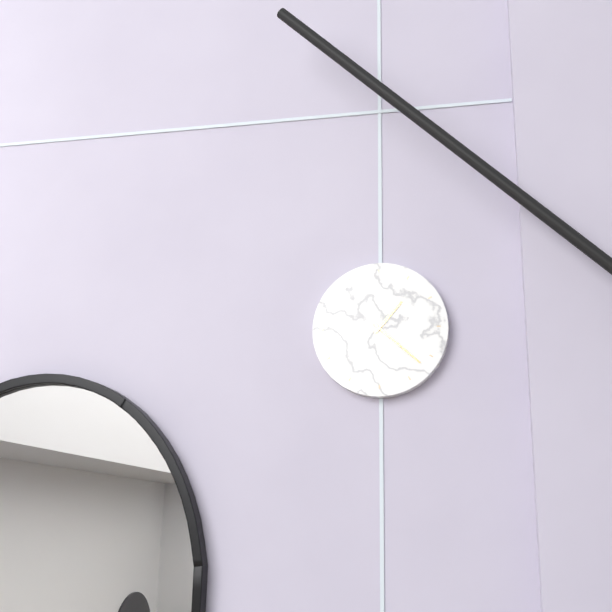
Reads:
1,22
